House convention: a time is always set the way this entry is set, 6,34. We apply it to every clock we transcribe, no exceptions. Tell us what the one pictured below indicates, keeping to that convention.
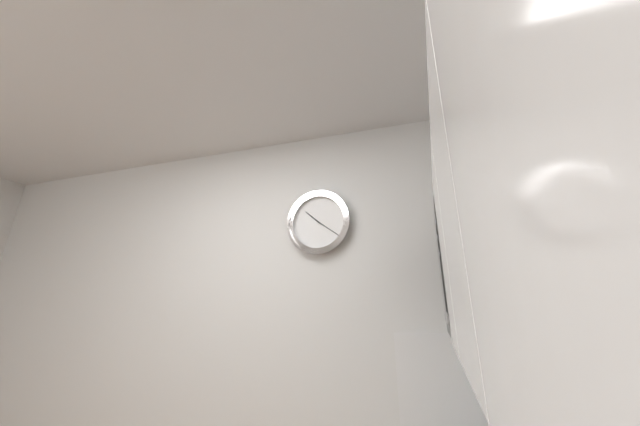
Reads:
10,21
